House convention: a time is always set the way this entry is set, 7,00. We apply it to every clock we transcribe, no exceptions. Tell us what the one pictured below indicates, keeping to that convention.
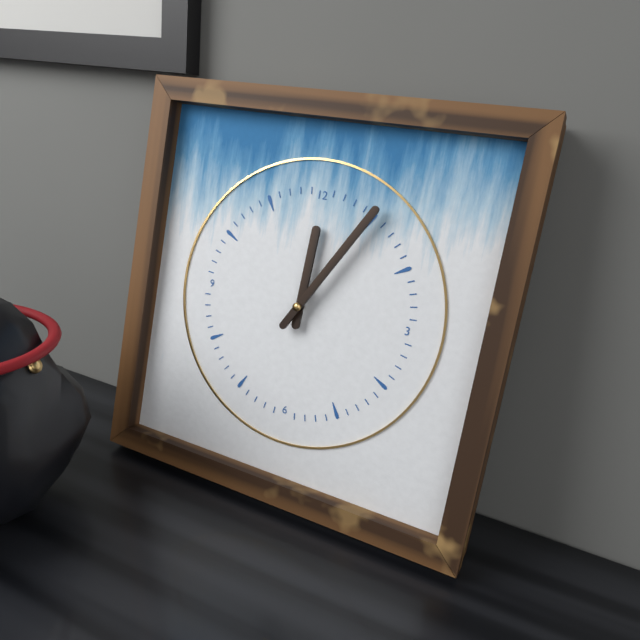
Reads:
12,05
